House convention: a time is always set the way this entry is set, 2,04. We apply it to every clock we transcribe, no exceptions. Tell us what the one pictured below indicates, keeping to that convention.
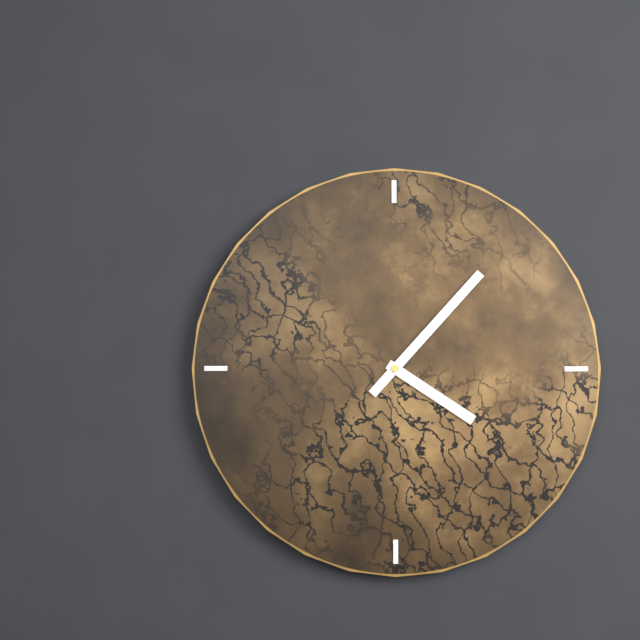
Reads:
4,07
